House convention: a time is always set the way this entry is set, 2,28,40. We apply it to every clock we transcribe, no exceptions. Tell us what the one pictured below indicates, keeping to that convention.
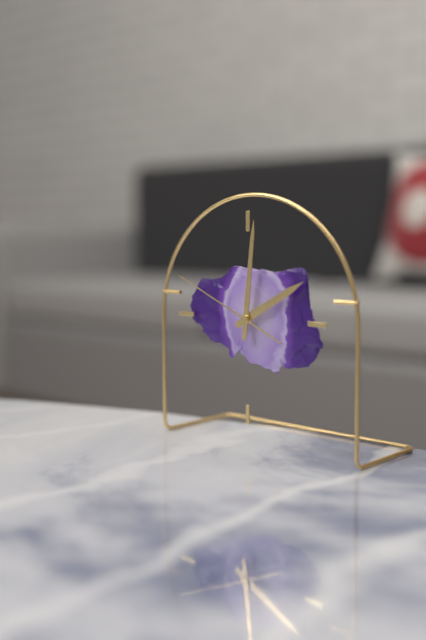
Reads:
2,01,49
